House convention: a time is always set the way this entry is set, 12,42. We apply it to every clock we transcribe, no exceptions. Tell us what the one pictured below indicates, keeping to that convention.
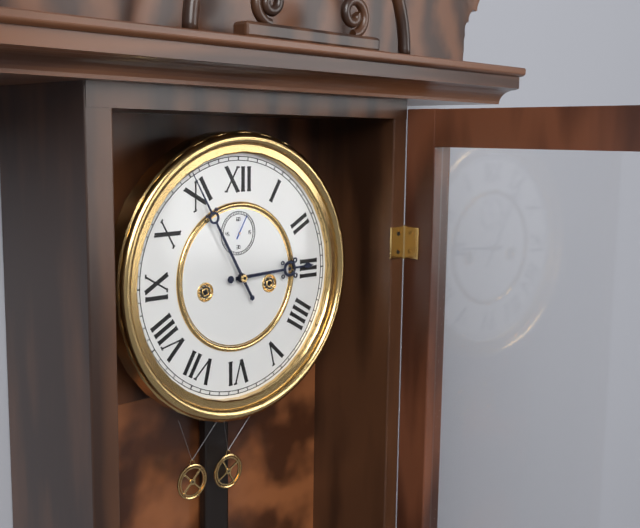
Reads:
2,55
